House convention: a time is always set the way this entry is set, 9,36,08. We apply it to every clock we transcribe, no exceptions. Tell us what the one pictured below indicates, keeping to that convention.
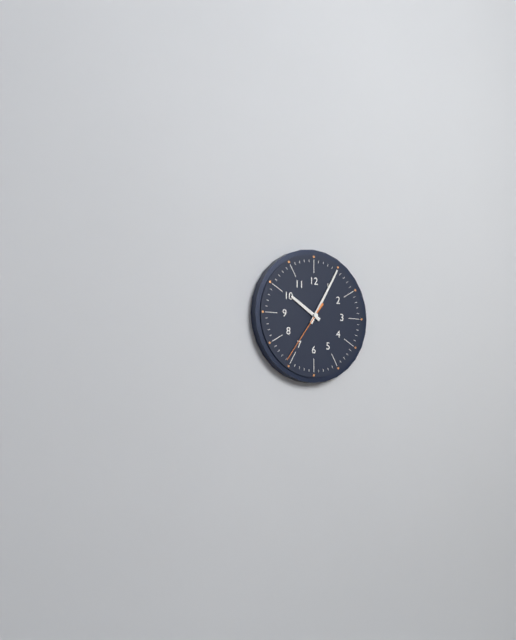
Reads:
10,05,36
